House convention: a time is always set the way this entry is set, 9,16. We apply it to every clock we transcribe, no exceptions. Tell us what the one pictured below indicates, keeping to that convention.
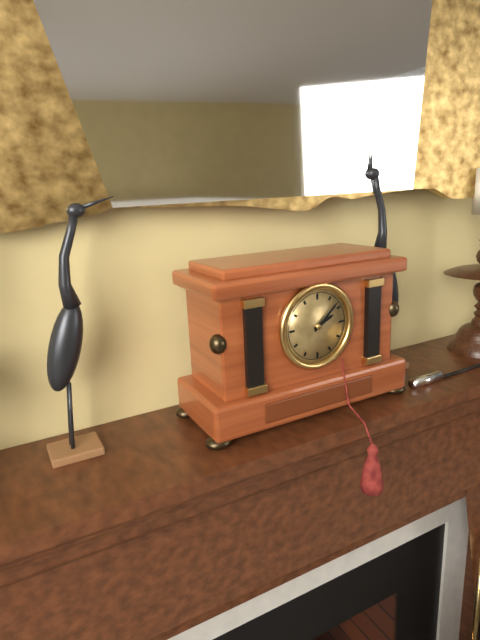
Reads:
2,08
